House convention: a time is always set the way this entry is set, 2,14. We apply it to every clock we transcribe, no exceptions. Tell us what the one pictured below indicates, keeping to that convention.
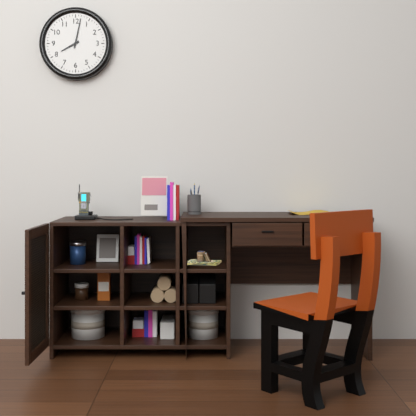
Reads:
8,02
